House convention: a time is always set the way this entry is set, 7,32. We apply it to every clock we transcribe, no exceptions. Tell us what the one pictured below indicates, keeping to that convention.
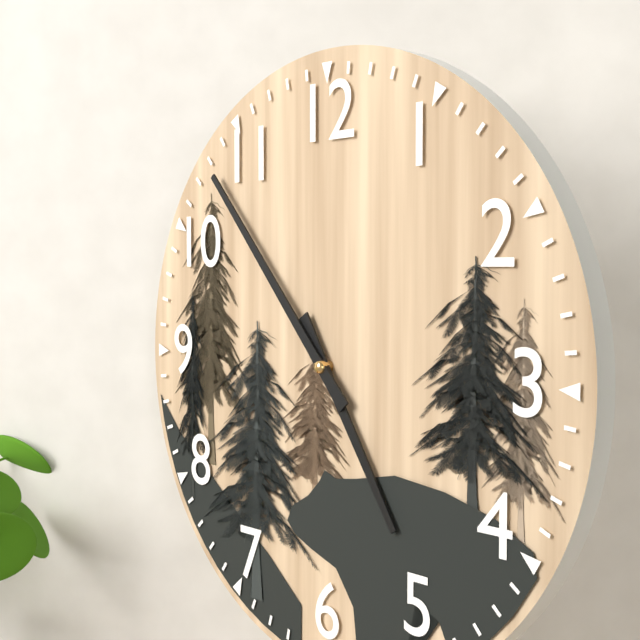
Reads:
4,53
